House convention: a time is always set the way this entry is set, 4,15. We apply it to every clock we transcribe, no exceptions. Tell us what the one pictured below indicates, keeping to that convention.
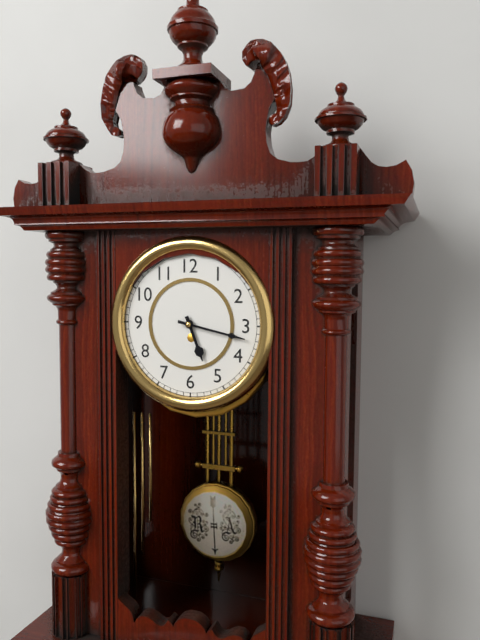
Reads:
5,17
